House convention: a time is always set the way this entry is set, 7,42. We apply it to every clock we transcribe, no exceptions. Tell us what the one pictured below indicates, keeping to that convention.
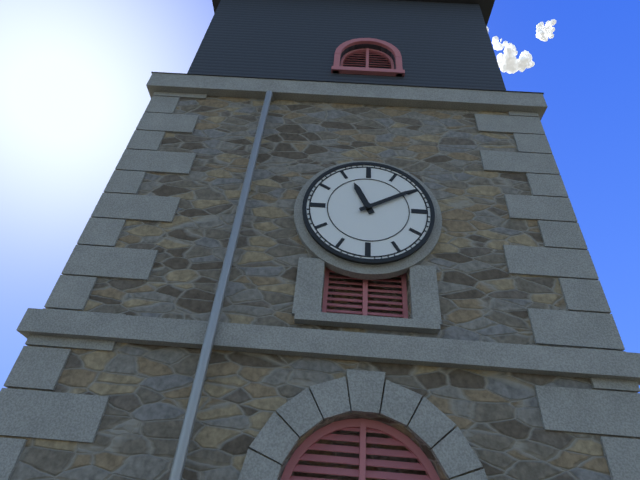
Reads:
11,10
